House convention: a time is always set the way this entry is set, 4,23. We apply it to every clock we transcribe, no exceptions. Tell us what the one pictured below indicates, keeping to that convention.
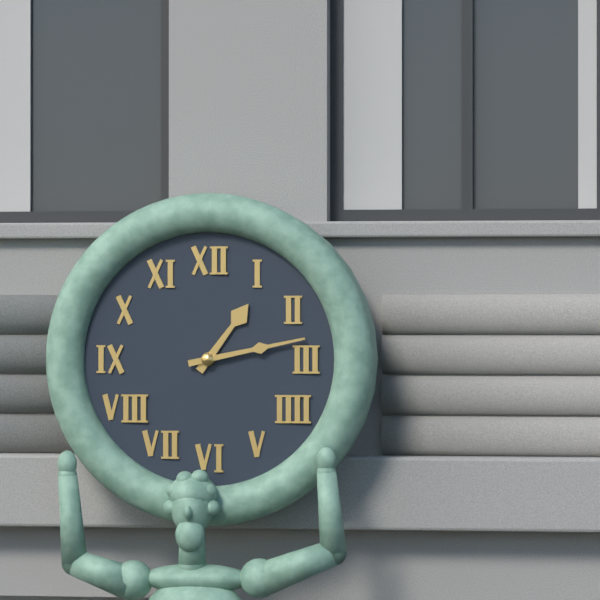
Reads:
1,13
